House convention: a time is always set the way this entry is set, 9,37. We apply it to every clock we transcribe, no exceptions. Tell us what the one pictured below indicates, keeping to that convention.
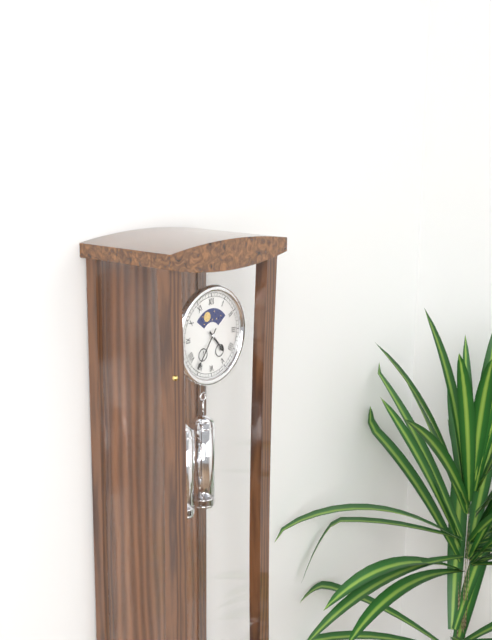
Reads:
4,36
